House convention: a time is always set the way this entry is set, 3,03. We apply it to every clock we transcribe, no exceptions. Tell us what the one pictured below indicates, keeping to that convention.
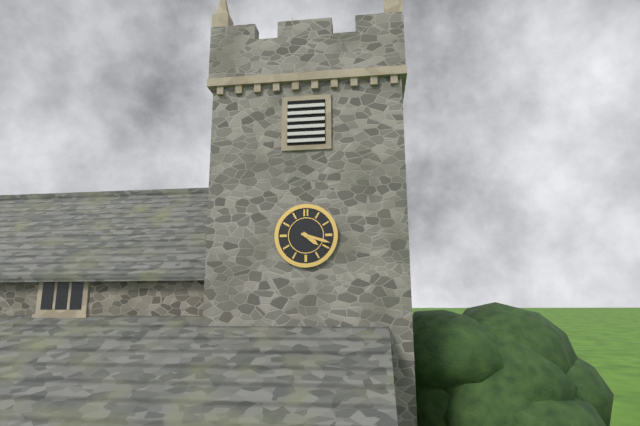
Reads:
4,18
